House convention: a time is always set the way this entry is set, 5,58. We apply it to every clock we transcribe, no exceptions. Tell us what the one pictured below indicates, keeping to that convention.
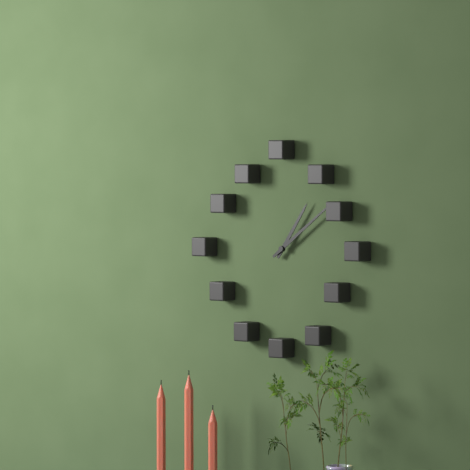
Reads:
1,09
